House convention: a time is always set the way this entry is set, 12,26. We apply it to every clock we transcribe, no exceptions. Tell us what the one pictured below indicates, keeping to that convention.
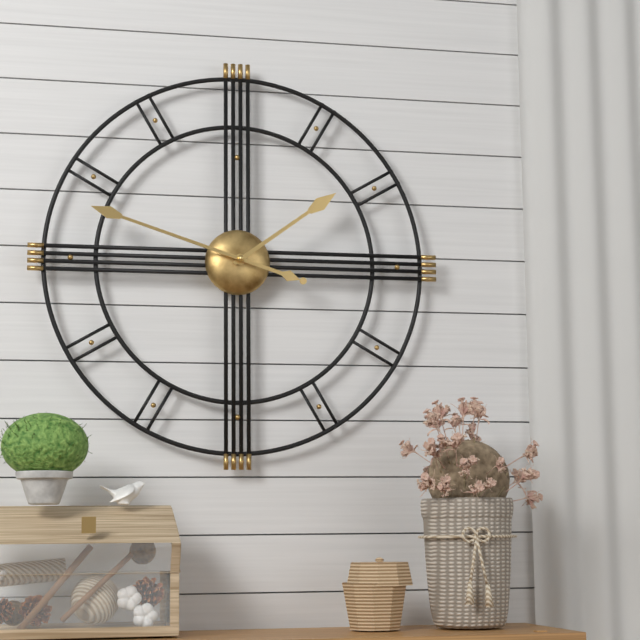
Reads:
1,48
